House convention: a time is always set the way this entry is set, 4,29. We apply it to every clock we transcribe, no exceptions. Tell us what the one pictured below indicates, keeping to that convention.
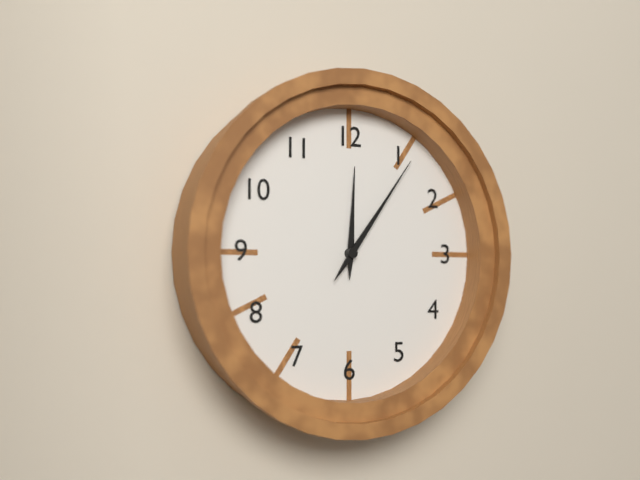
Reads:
12,06
